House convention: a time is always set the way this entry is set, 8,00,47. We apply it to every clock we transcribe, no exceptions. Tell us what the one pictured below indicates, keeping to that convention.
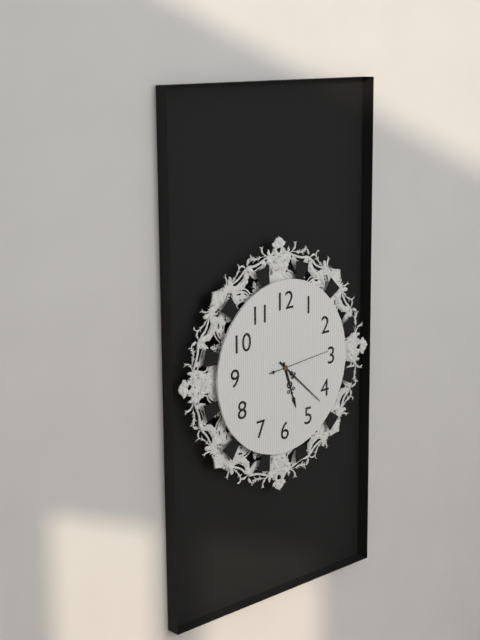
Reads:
5,22,14
